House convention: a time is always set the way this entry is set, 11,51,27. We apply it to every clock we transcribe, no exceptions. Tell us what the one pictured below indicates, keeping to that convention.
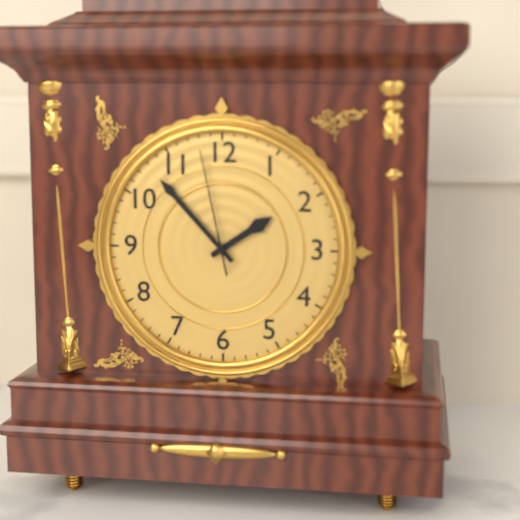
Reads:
1,53,58
